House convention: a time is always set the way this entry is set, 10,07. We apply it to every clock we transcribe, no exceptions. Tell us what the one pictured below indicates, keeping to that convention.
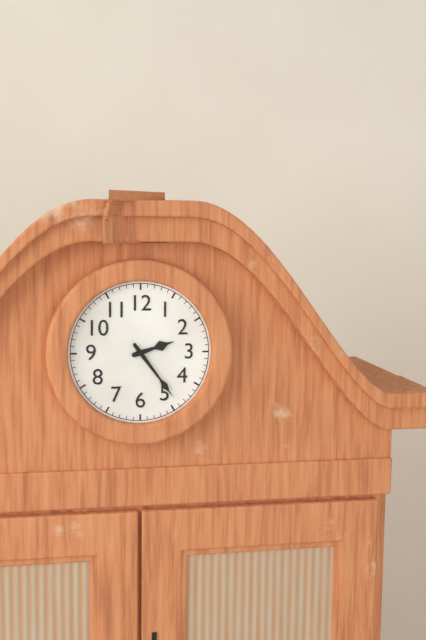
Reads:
2,24
